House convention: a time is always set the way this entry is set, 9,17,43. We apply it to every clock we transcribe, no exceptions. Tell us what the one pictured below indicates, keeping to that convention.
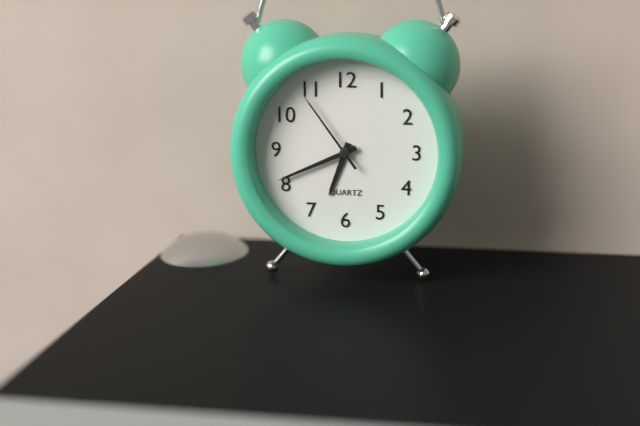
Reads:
6,41,54
